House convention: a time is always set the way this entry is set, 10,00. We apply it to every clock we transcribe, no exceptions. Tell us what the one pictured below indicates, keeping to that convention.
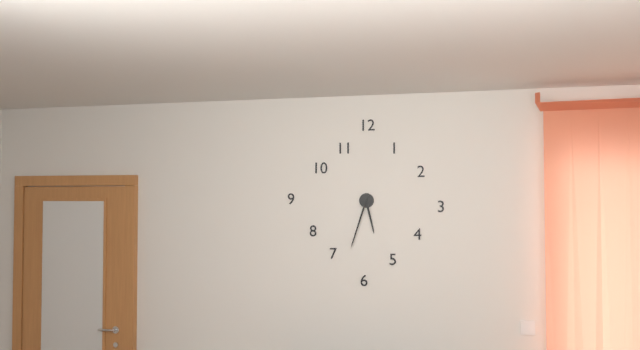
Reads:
5,33
